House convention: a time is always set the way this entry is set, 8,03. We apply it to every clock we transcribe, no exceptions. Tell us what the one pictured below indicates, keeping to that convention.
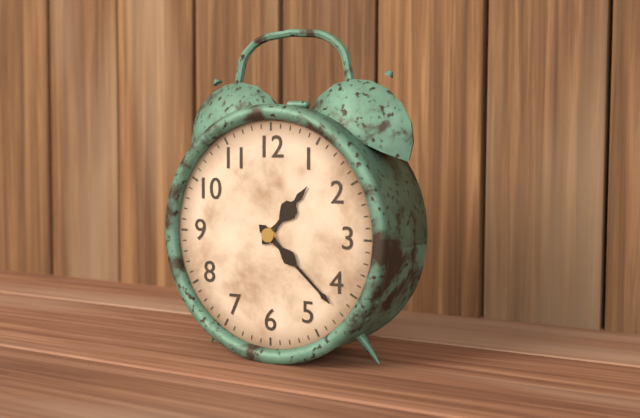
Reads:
1,22
